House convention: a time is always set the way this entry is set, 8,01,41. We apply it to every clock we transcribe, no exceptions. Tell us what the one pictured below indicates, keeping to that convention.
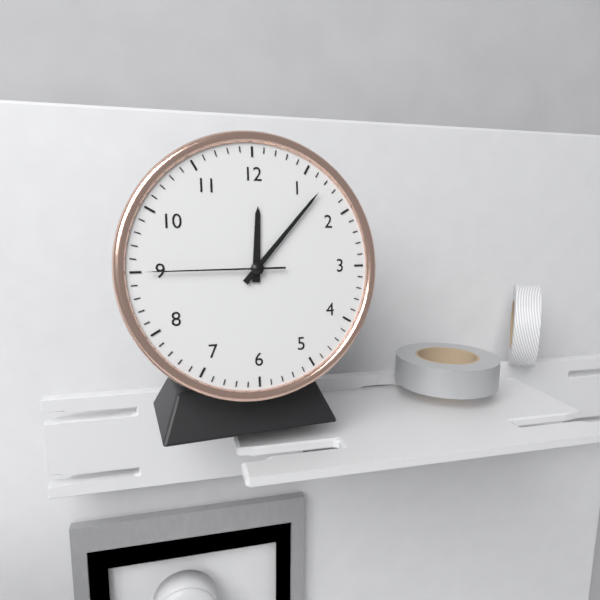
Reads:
12,07,45
